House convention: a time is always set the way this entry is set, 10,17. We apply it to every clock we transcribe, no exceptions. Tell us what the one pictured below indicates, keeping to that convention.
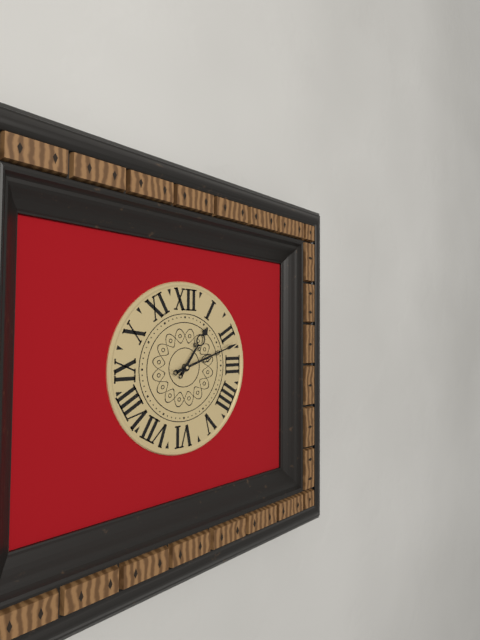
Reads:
1,12
